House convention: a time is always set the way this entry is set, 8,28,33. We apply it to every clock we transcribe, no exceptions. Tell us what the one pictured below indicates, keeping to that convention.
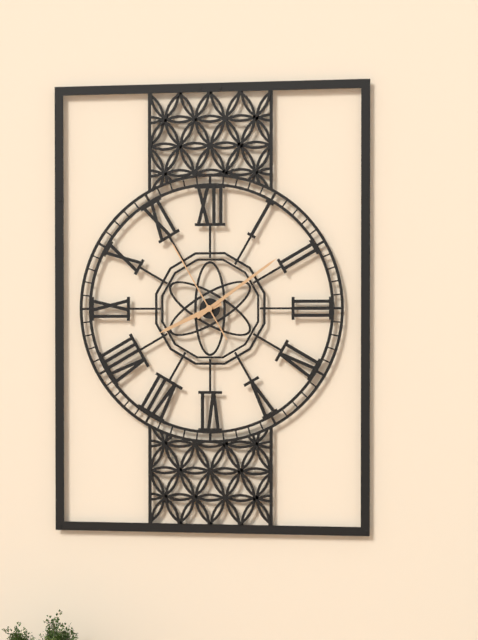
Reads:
8,09,55
